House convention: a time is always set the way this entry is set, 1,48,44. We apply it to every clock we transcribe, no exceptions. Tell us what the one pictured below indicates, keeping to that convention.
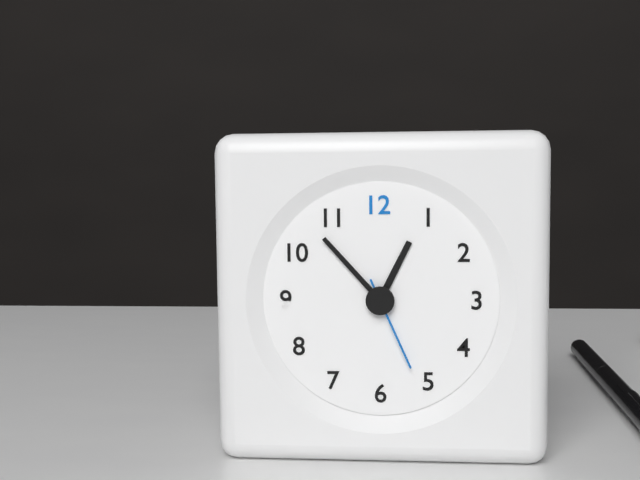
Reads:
12,53,26
